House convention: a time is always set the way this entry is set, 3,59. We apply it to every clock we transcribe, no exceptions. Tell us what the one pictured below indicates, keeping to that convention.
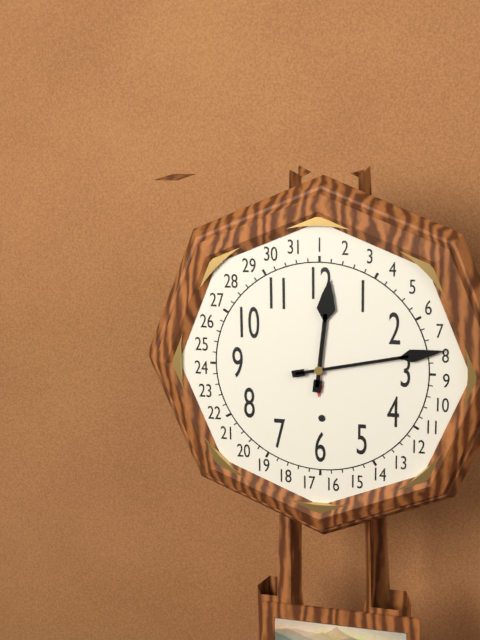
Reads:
12,13
